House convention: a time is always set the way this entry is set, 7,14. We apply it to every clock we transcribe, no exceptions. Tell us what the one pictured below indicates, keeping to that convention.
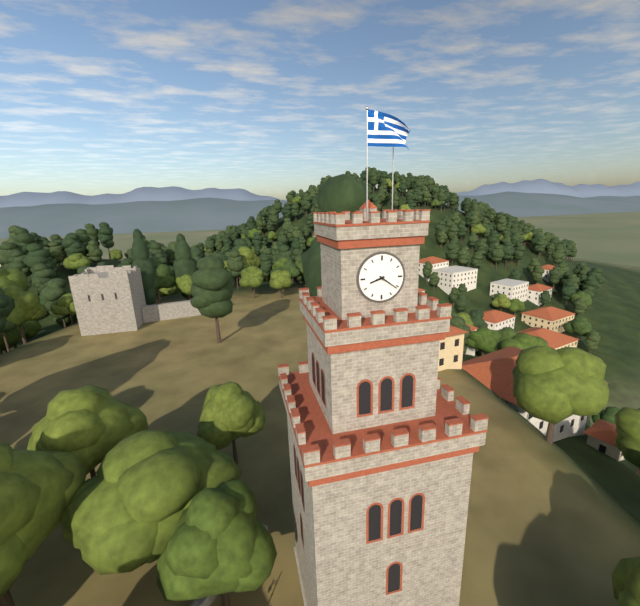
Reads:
8,21
